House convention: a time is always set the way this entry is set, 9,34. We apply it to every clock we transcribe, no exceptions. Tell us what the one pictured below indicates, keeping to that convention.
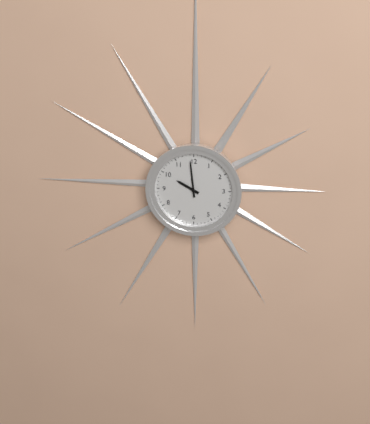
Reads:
9,59
